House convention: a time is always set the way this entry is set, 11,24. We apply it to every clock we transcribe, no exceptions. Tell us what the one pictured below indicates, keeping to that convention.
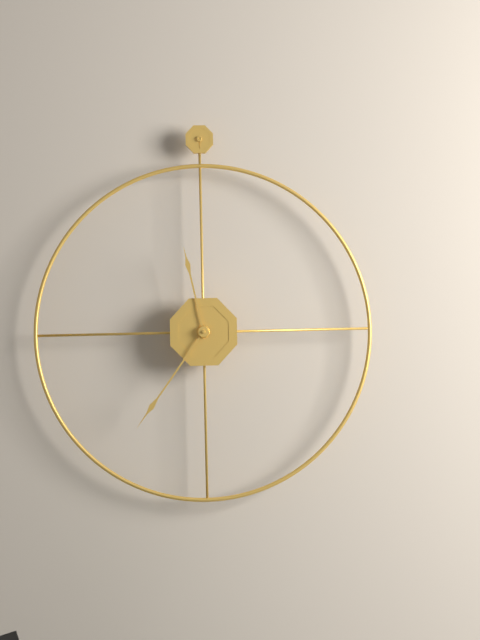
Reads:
11,36
